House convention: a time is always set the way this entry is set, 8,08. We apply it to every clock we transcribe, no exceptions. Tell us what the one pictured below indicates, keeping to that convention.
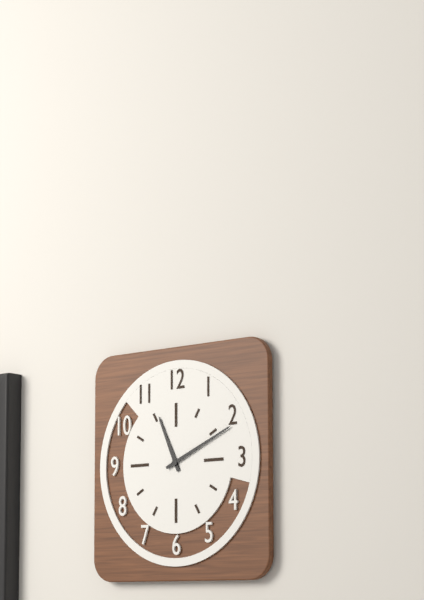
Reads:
11,11
